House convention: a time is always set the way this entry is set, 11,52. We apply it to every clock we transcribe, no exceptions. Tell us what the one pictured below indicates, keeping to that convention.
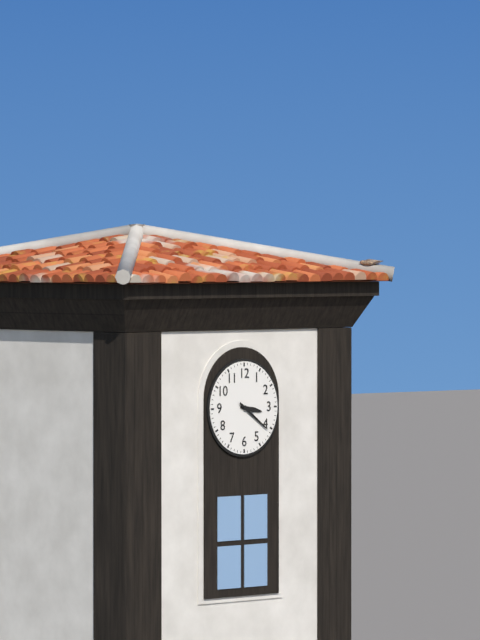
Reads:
3,21
